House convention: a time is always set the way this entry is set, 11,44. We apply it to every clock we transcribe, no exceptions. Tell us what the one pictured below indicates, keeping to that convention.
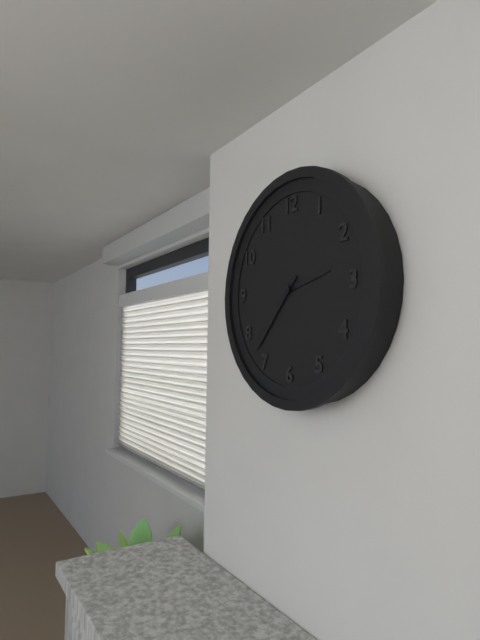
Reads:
2,37
